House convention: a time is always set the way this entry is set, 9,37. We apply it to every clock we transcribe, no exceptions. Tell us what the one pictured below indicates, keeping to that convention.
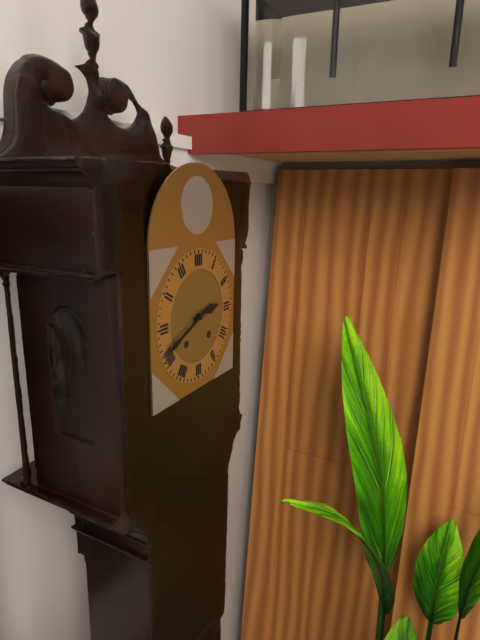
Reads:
2,41
